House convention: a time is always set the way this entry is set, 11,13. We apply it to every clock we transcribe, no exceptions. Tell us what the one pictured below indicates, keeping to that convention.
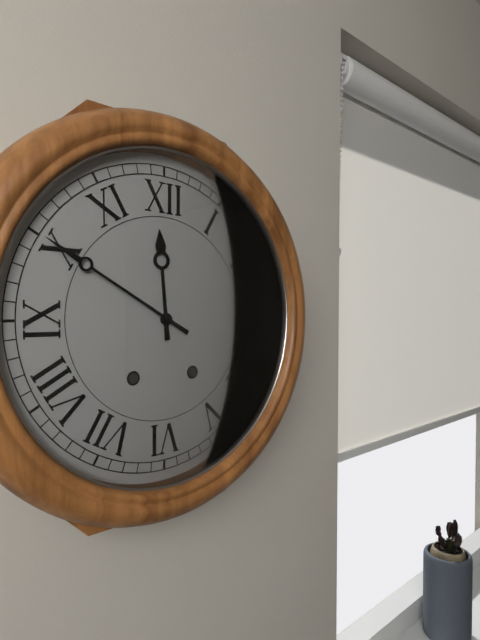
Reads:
11,50
